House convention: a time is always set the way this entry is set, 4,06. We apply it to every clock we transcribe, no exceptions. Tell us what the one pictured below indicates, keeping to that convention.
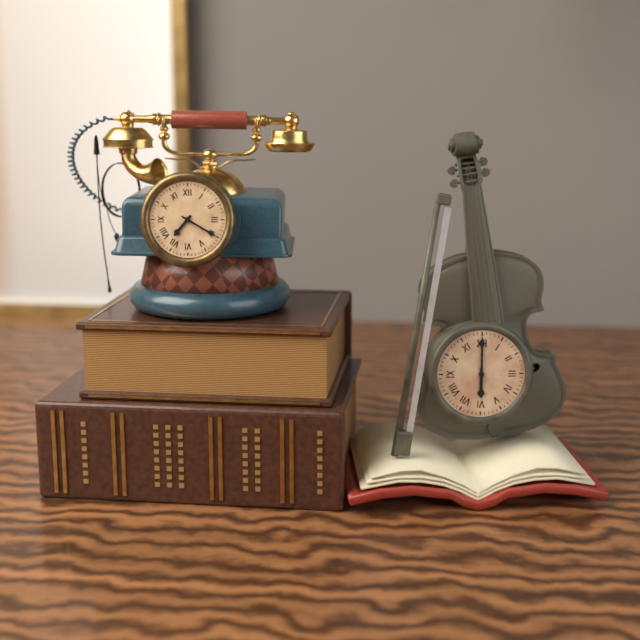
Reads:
7,20
